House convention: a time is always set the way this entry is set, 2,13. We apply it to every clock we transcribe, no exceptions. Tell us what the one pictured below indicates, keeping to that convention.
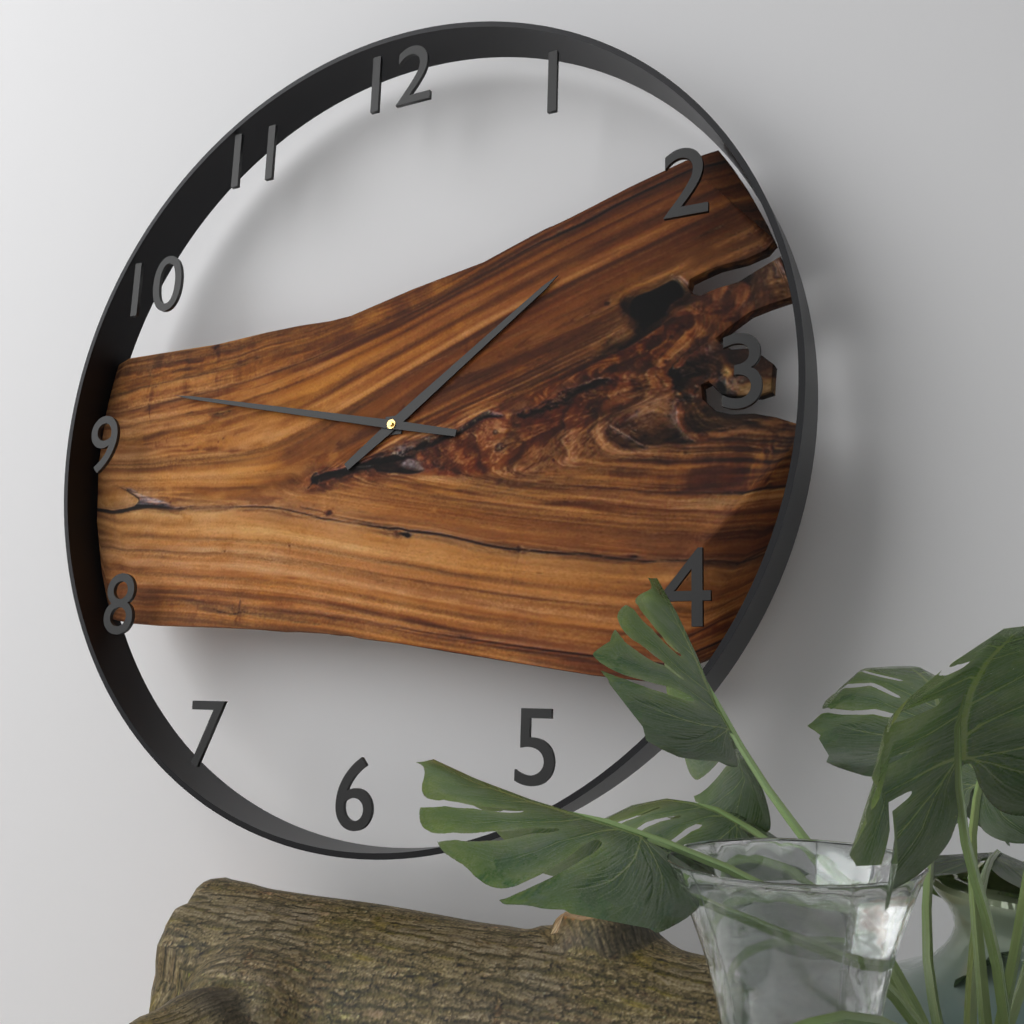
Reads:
1,47
